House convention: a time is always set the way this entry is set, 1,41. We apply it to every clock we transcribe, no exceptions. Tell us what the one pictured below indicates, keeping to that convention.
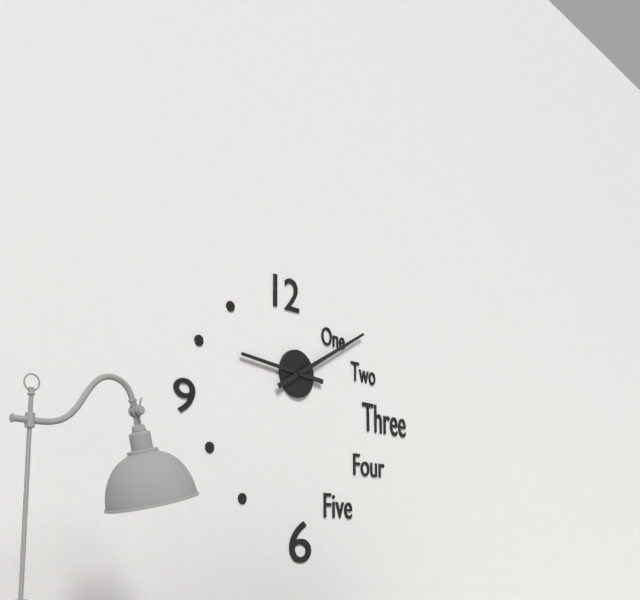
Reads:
9,10
